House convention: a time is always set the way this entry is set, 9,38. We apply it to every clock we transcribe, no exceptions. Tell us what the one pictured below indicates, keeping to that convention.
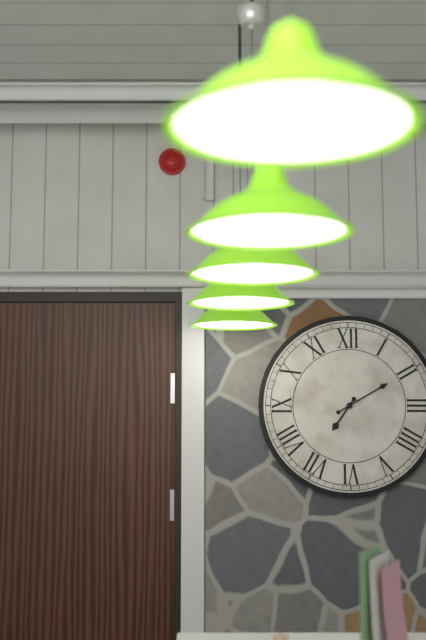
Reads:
7,10
